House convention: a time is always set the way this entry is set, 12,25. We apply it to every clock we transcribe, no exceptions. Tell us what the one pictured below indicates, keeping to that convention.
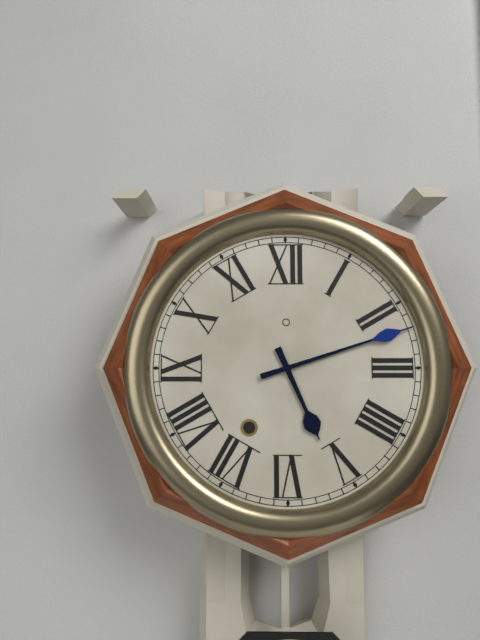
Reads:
5,12
